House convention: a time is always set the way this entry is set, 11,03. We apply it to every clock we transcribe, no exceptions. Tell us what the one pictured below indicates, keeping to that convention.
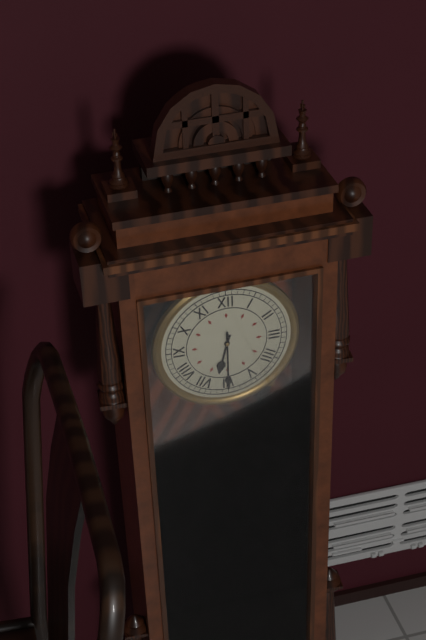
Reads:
6,30
